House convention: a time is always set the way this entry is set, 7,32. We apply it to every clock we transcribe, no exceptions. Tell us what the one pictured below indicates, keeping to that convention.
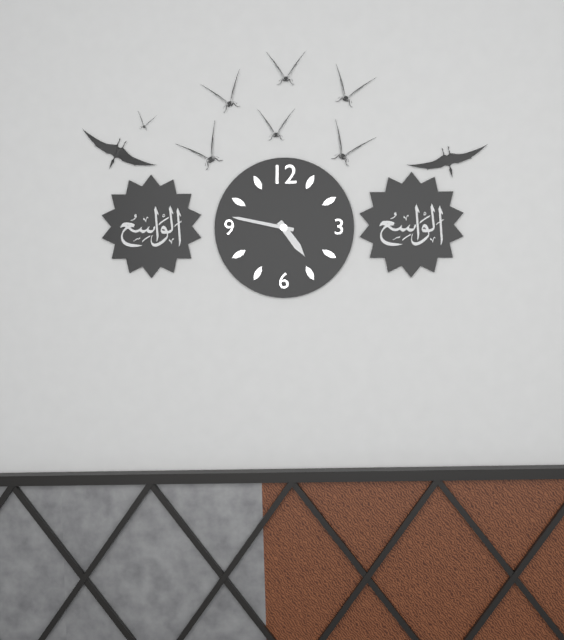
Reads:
4,47
